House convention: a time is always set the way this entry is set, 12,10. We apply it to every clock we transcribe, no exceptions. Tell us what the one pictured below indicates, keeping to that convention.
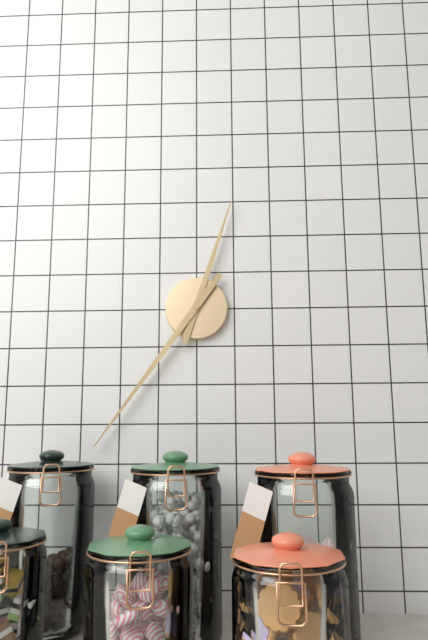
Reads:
12,36
